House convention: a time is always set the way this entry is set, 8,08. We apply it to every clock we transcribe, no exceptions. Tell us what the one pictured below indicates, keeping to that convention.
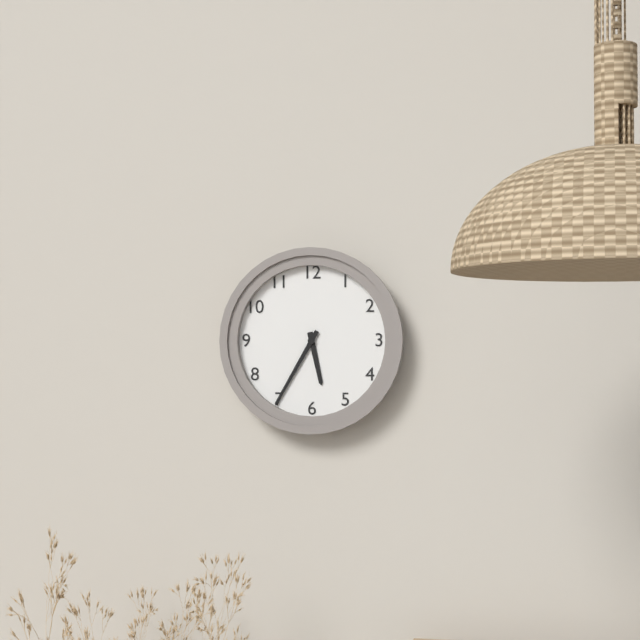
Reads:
5,35
